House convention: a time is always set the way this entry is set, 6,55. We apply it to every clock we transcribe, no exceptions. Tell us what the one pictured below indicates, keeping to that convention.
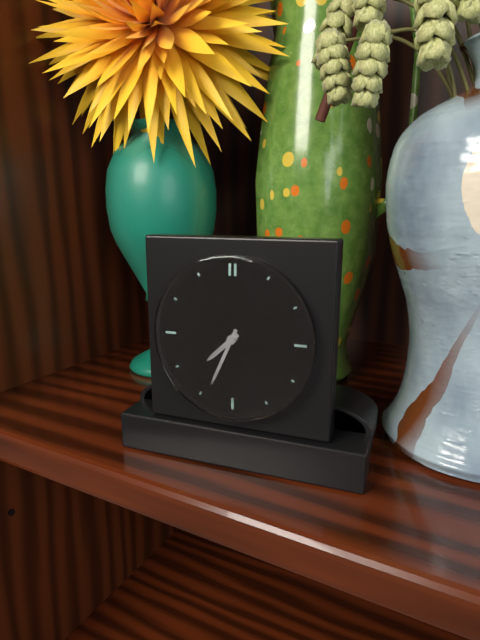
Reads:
7,34
